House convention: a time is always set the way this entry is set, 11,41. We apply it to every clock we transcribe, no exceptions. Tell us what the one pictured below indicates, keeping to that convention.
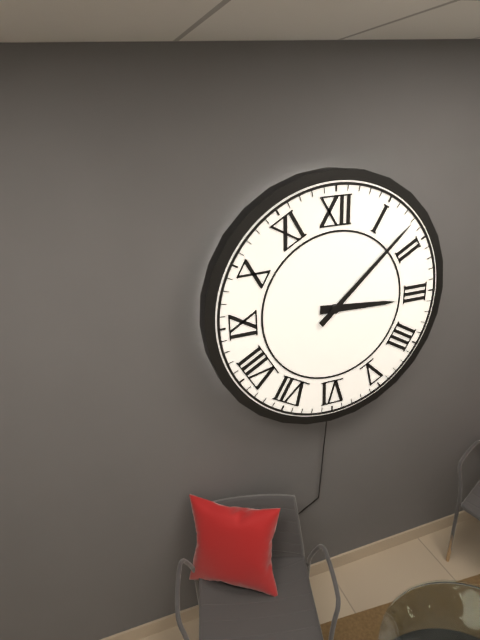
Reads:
3,08
